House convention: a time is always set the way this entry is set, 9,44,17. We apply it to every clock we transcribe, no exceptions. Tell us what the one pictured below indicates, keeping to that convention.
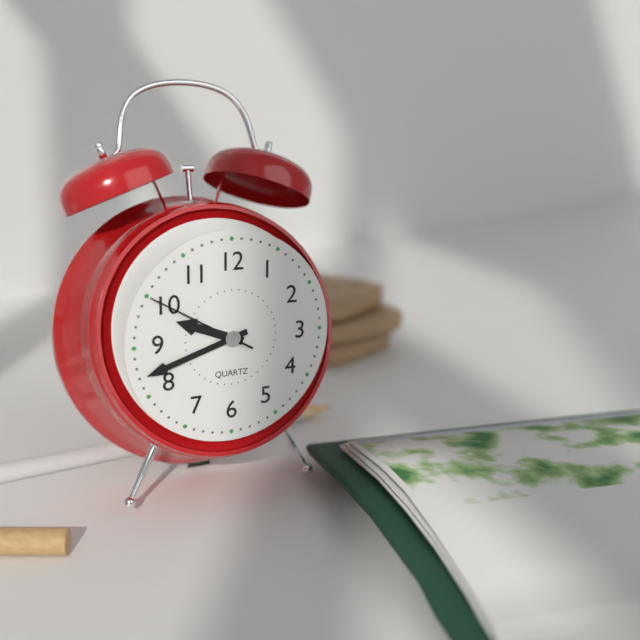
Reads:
9,42,50
